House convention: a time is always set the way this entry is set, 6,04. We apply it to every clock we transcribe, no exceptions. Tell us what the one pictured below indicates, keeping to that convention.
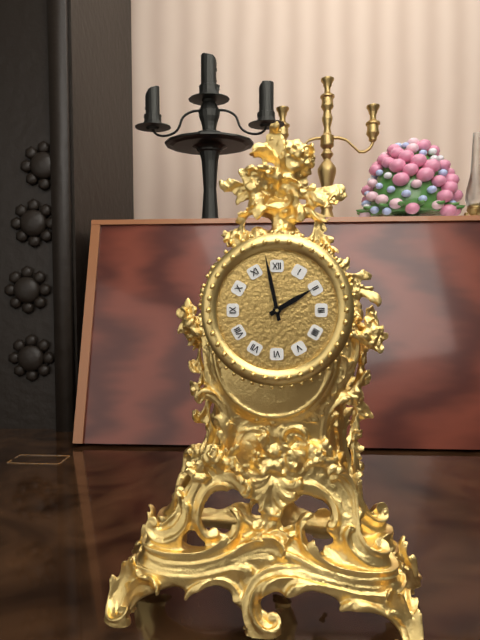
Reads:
1,58
